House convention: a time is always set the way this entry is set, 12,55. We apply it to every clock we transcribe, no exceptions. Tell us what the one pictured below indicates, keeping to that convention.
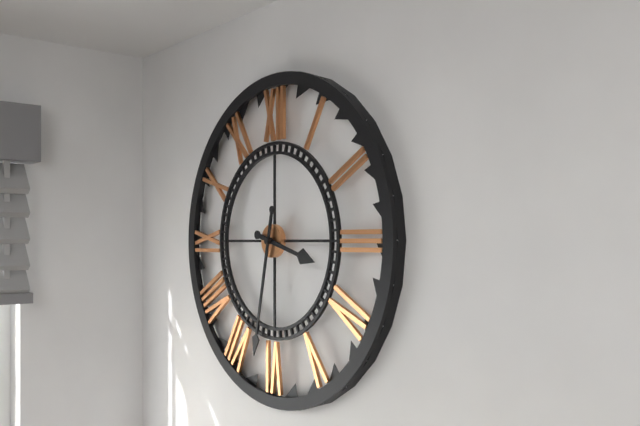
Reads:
3,32
